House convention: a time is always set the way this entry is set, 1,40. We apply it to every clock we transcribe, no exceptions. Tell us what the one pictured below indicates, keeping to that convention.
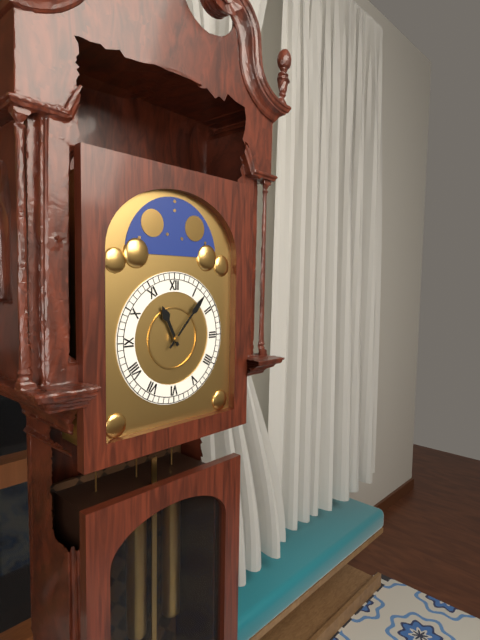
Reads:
11,07
